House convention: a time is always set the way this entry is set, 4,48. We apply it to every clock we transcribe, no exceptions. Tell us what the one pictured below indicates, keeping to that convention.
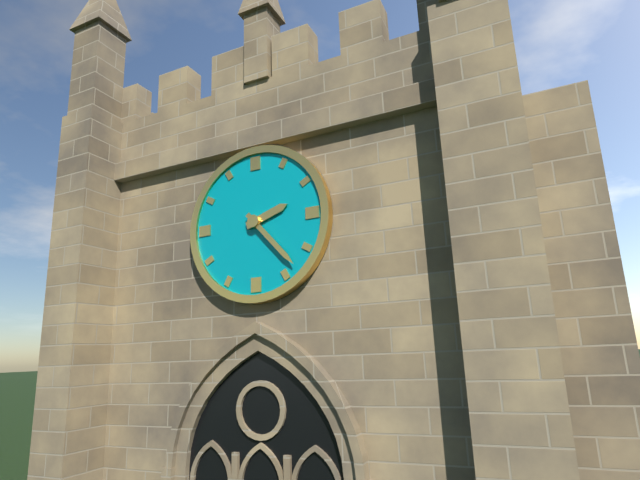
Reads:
2,23
